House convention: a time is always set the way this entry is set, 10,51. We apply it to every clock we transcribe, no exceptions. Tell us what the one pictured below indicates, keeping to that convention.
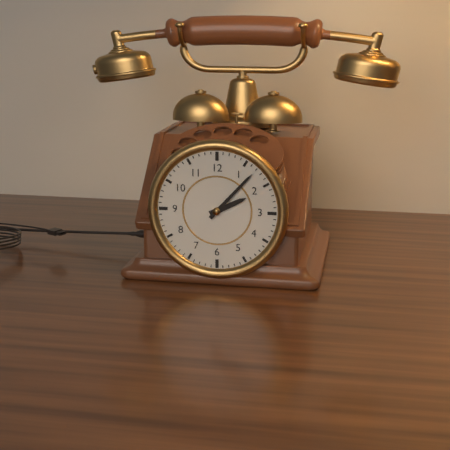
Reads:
2,07
